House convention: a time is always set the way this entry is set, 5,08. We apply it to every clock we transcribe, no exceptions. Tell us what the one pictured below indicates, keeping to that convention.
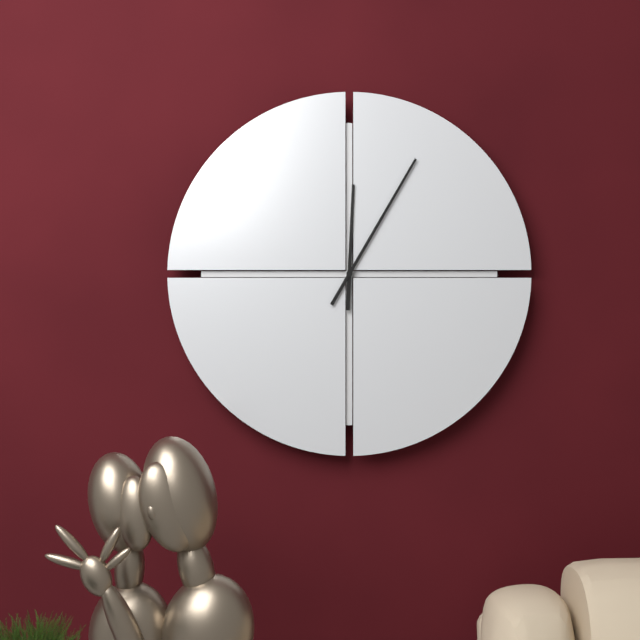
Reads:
12,05
